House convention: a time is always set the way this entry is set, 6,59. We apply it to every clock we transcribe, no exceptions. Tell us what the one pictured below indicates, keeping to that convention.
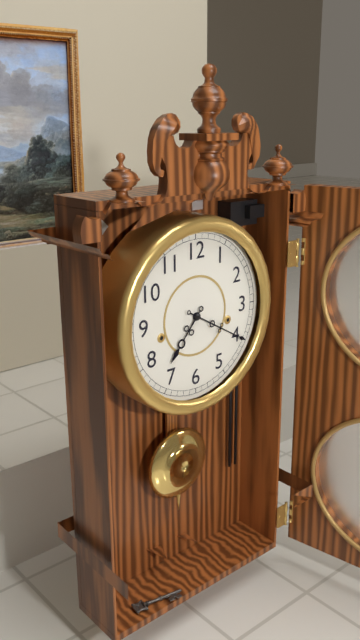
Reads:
7,20
